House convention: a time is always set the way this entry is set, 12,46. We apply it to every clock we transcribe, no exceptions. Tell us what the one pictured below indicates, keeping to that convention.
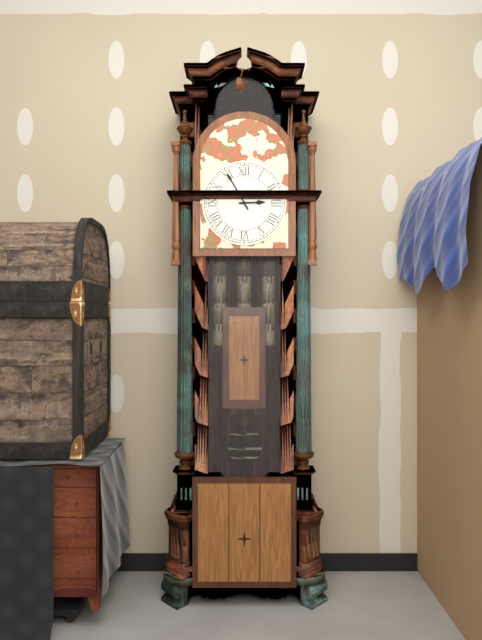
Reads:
2,55
